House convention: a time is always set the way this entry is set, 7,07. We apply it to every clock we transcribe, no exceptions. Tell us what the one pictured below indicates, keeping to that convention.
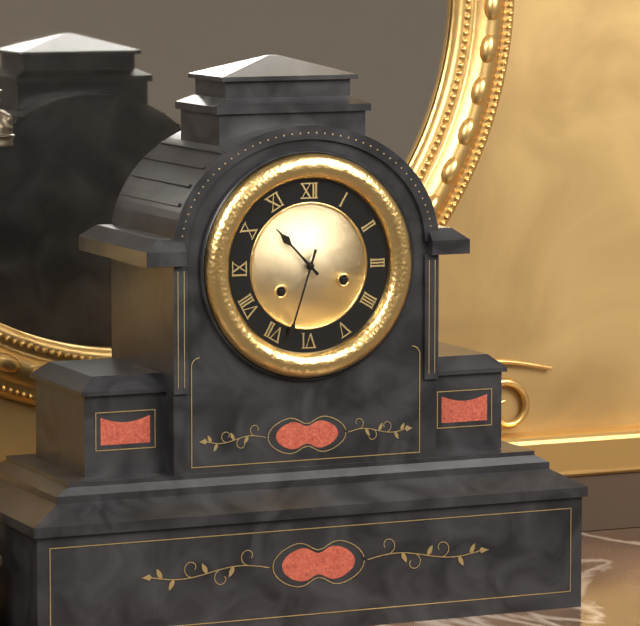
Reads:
10,33
